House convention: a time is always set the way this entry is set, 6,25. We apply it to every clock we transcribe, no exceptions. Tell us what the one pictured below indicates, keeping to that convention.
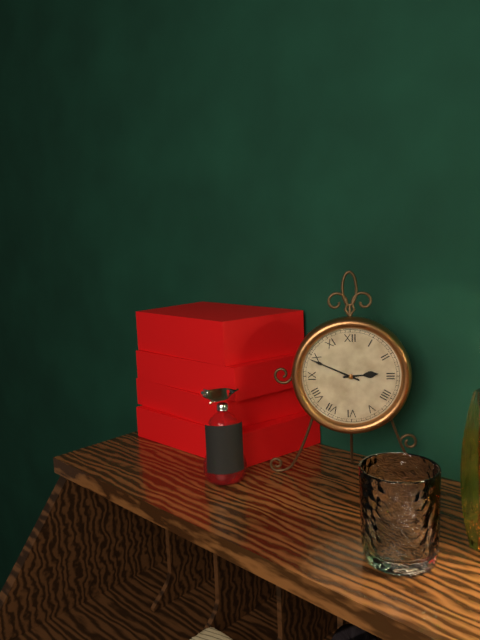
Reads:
2,49
